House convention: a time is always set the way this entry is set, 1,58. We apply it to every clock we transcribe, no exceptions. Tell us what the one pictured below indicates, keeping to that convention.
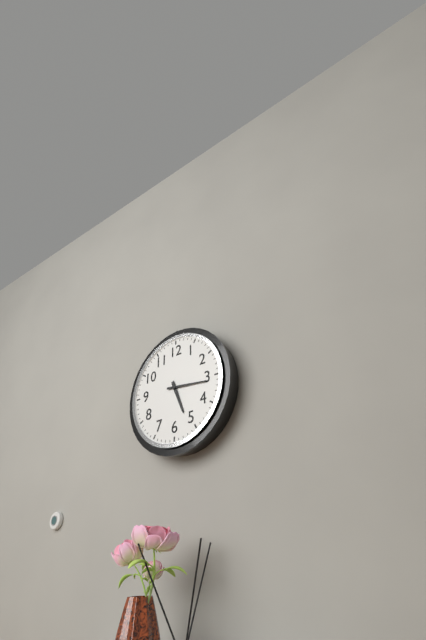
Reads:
5,16
